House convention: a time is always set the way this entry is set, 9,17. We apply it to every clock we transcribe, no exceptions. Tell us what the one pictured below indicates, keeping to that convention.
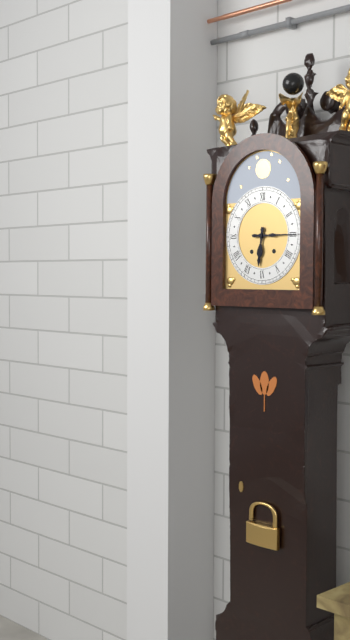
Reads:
6,15
